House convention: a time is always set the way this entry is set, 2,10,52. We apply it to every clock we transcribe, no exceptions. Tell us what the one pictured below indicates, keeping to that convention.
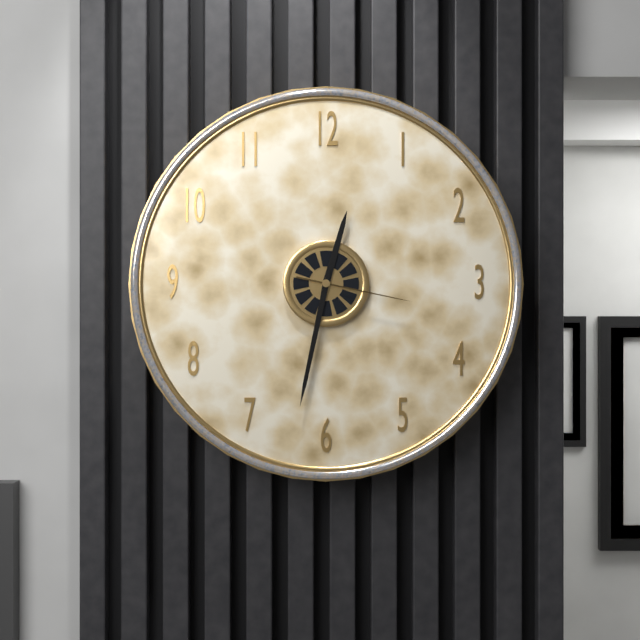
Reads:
12,32,17
